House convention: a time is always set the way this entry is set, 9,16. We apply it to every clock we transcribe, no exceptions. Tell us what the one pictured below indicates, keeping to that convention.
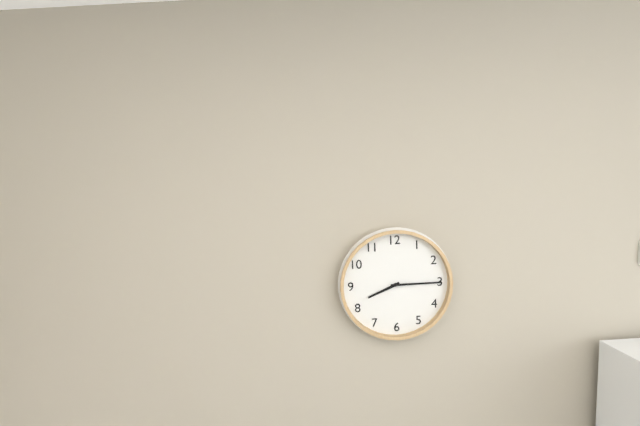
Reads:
8,15
